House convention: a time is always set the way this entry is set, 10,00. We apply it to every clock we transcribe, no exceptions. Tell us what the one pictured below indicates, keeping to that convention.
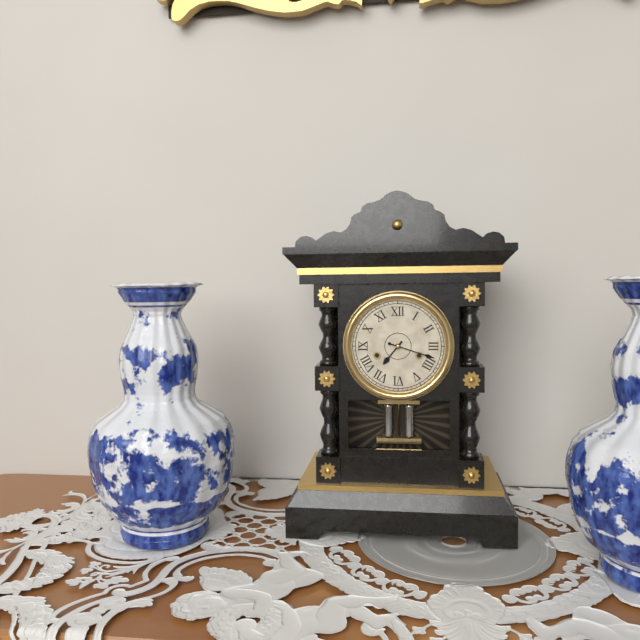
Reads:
7,18
